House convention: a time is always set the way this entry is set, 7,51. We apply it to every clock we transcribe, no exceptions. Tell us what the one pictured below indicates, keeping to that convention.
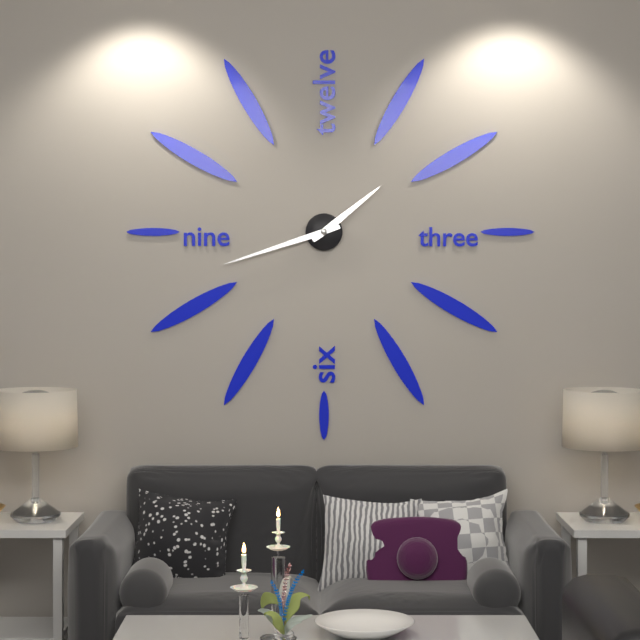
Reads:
1,42
